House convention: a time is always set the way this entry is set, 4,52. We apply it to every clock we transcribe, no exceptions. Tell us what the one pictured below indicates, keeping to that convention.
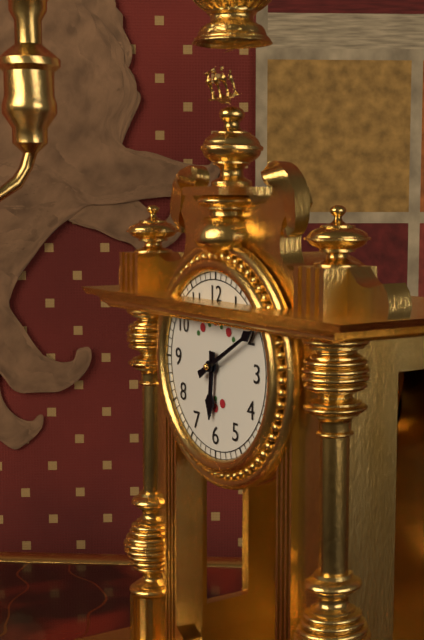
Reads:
6,10
